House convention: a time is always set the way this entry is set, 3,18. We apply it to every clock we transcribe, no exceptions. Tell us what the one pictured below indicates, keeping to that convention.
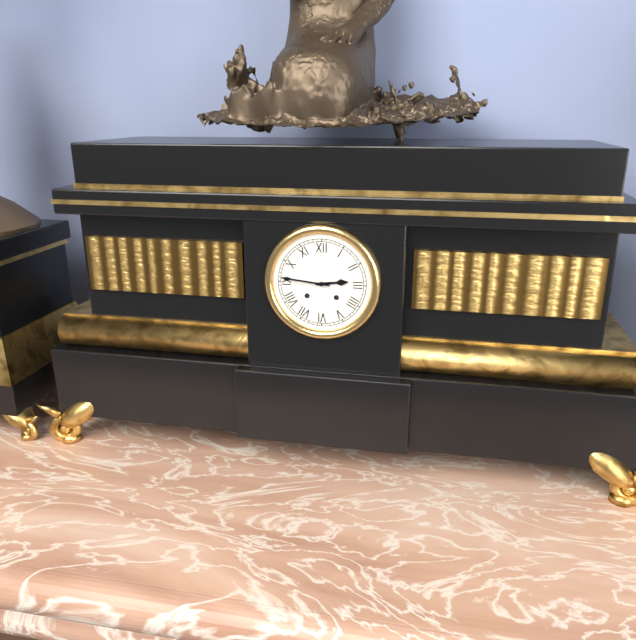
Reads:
2,46
